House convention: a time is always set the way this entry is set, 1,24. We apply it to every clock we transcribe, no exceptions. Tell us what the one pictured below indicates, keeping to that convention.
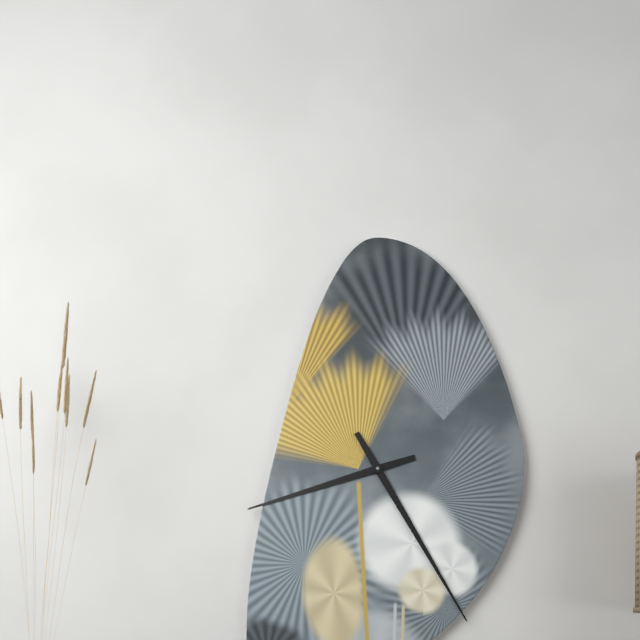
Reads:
8,25
